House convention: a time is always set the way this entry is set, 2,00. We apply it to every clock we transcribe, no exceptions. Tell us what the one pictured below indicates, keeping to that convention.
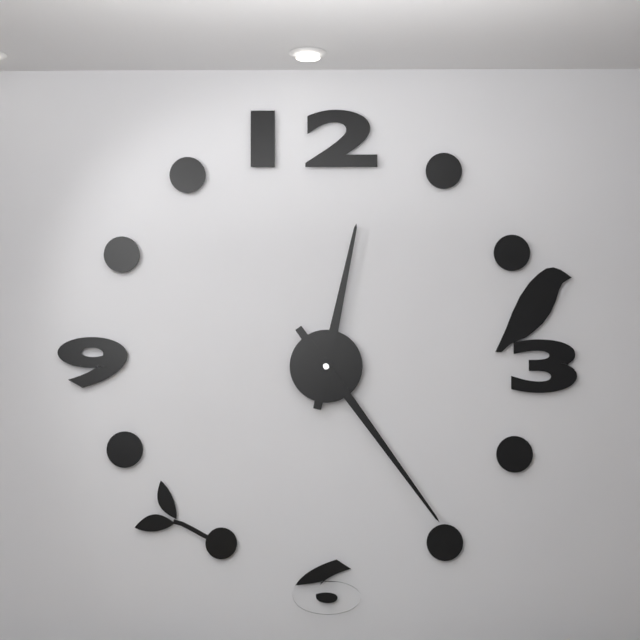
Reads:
12,24
